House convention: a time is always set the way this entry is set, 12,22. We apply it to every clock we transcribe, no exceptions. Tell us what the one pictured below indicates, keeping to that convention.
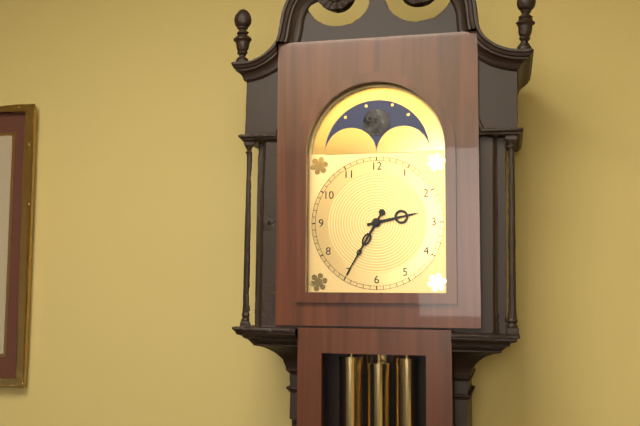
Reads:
2,35
